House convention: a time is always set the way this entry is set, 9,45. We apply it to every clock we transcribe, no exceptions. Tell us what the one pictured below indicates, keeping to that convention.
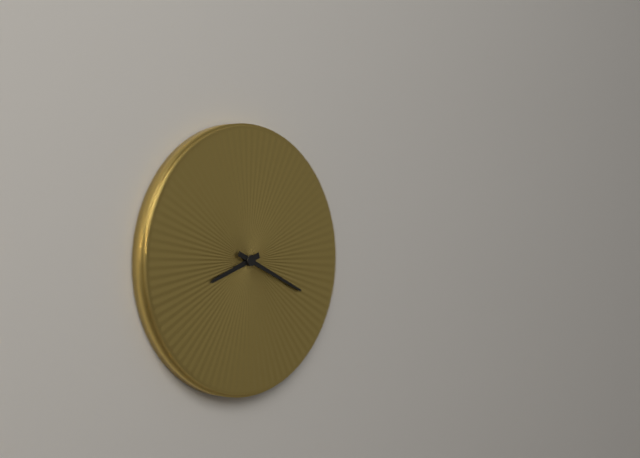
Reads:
8,19
